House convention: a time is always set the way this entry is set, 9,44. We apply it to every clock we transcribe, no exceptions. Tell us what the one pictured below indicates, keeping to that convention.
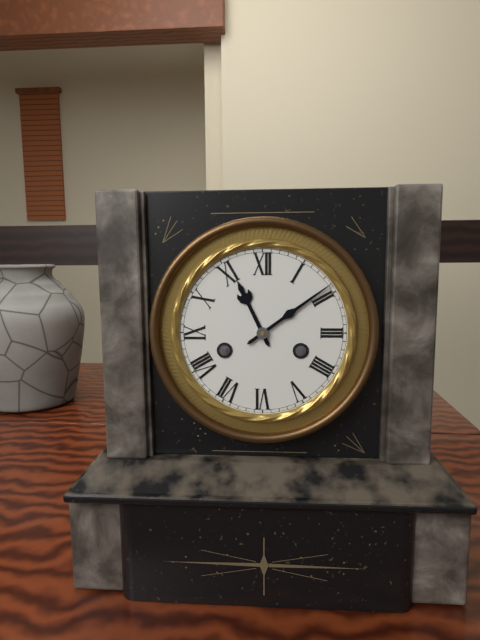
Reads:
11,09
